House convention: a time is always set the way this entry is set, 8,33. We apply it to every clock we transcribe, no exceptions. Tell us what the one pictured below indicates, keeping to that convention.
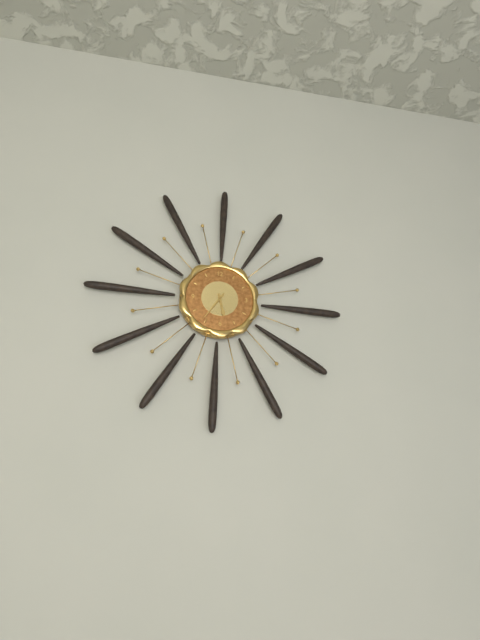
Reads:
5,36
